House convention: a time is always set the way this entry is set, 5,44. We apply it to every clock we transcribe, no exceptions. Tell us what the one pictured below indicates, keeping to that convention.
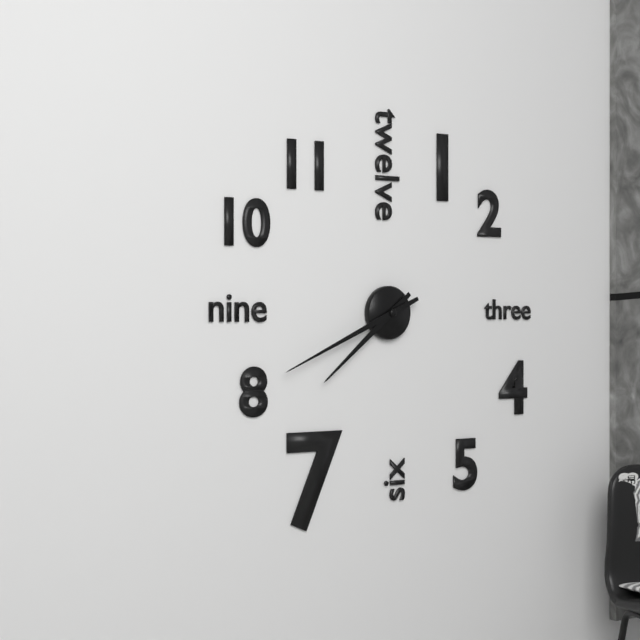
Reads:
7,41
